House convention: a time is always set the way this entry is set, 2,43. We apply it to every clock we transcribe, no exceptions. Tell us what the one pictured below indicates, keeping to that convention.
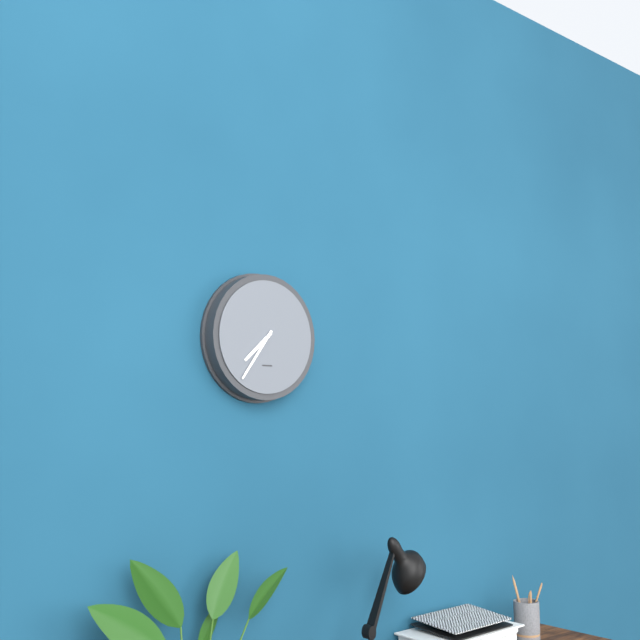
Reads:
7,36
